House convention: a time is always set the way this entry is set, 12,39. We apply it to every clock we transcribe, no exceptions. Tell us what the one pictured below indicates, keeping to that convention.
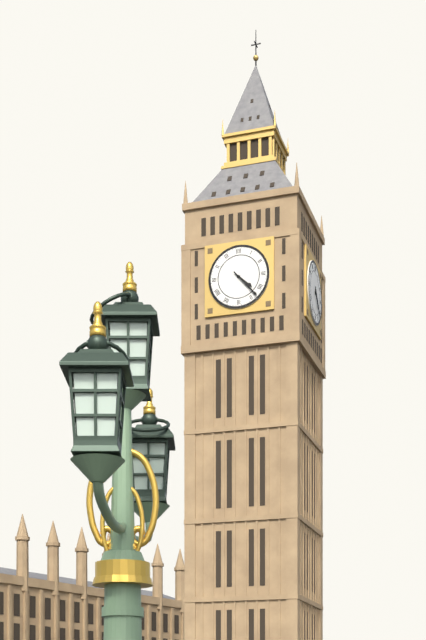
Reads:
4,23
